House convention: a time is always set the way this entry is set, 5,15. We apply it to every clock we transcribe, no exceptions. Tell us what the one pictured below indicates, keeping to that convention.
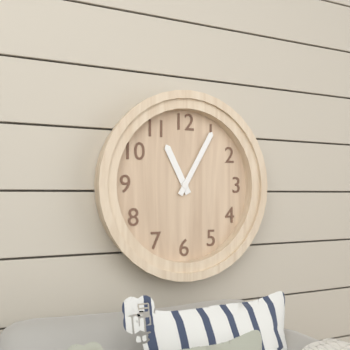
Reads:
11,05
